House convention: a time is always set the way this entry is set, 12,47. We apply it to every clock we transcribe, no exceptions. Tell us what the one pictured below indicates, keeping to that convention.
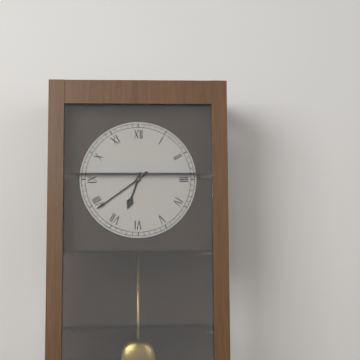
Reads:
6,39
